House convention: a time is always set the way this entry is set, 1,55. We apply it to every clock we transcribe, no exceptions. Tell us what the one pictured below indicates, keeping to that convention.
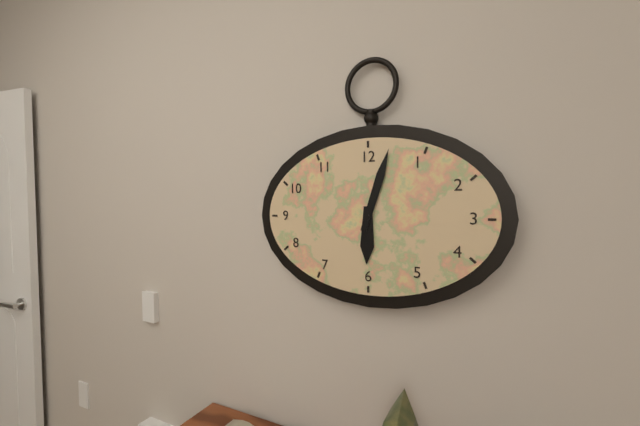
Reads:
6,03
